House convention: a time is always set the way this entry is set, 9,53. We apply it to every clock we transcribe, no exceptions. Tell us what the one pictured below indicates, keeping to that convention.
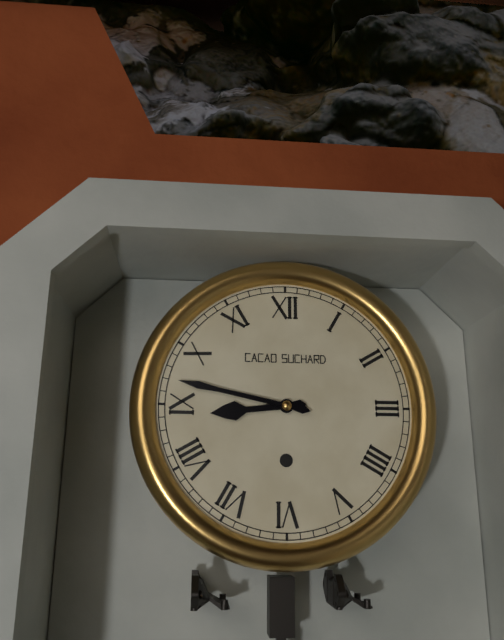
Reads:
8,47
